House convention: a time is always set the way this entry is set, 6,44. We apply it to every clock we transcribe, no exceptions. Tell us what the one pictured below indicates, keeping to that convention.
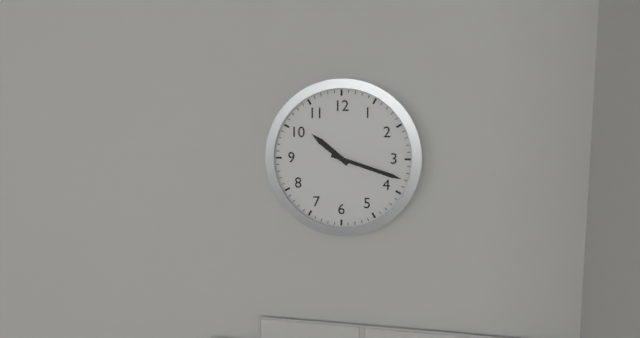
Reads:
10,18
